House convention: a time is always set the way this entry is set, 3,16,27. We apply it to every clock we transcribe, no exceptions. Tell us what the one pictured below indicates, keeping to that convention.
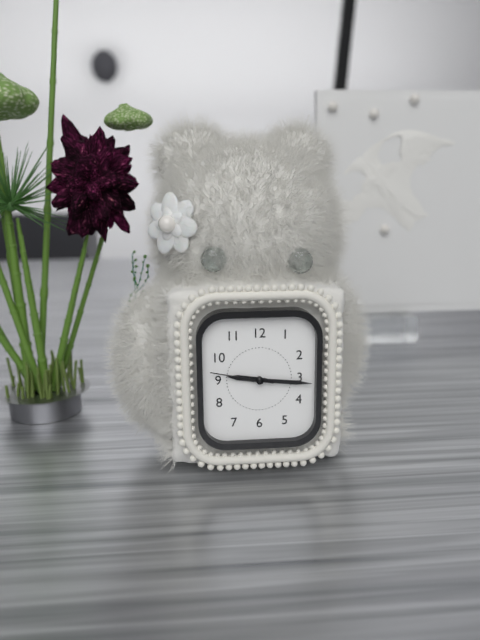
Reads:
9,16,47
